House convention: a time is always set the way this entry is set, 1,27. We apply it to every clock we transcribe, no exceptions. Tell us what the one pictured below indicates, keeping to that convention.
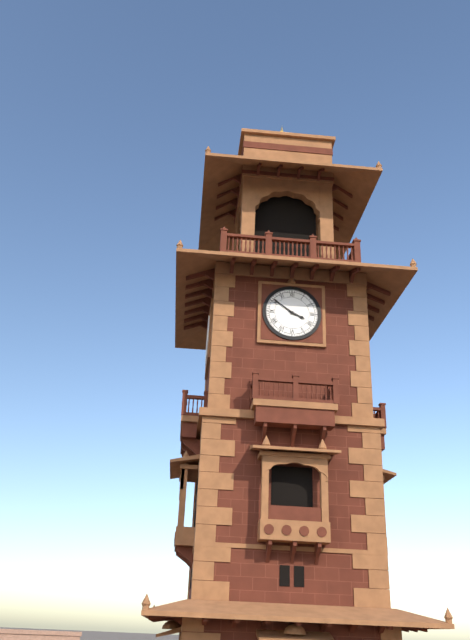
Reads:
3,51
